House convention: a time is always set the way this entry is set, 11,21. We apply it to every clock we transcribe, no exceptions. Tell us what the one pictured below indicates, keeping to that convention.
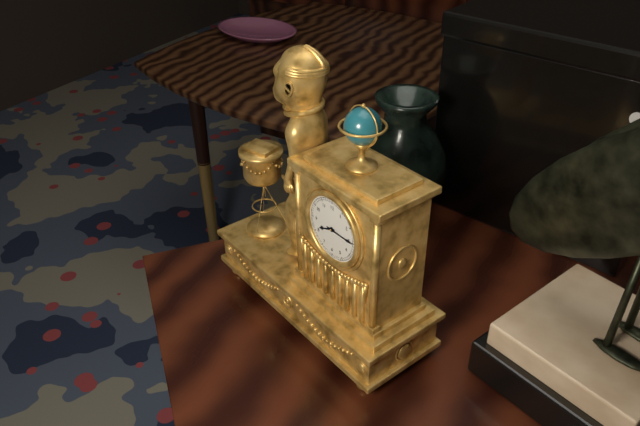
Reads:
8,15
